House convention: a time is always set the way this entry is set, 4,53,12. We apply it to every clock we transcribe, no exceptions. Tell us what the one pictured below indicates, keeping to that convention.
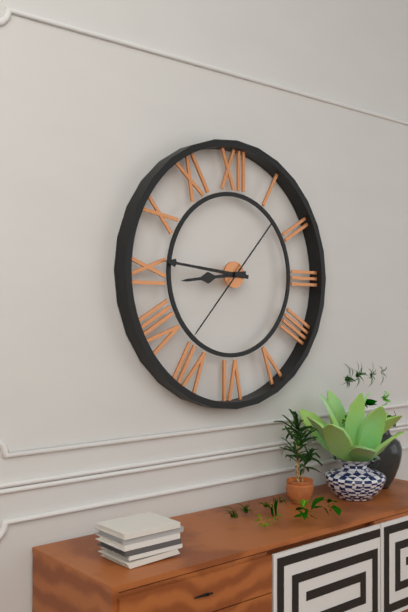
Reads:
8,46,37
